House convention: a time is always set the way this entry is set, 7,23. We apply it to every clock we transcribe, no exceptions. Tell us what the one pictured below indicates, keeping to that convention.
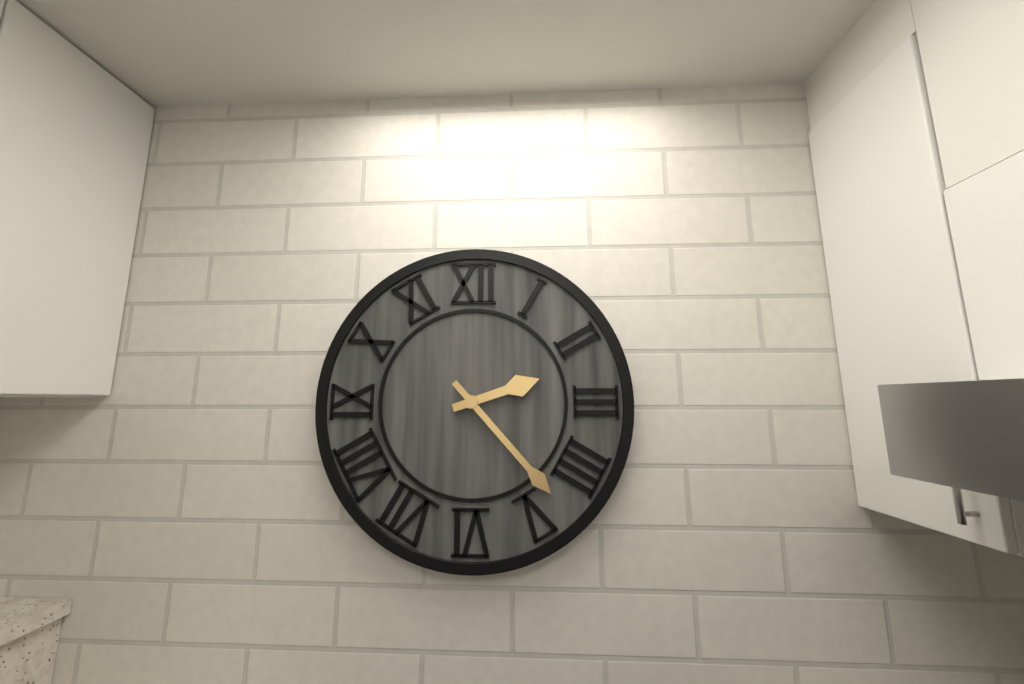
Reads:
2,23
